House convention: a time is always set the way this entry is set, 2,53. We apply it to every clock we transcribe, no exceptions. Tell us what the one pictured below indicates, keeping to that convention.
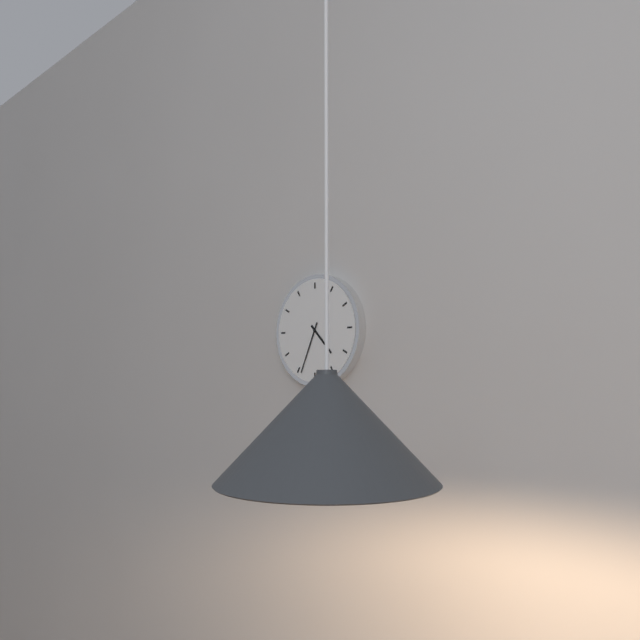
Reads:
4,34
